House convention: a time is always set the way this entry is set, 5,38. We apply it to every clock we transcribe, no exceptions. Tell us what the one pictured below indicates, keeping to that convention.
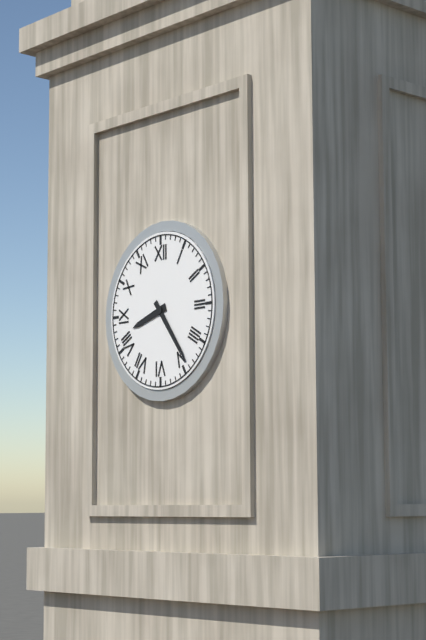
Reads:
8,24
